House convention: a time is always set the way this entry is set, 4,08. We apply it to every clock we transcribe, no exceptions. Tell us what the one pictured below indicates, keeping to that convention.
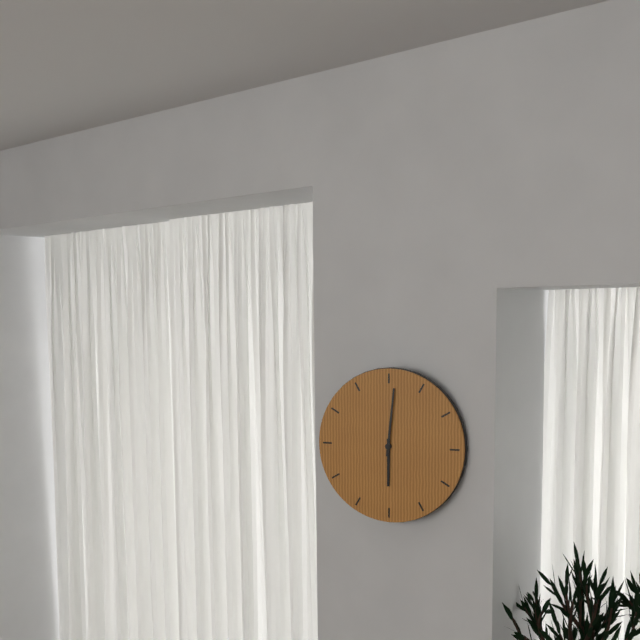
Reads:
6,01
